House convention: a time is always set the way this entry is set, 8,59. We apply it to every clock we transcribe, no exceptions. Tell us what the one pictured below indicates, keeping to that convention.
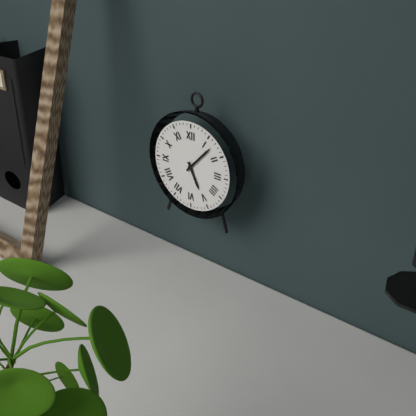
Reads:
5,07
